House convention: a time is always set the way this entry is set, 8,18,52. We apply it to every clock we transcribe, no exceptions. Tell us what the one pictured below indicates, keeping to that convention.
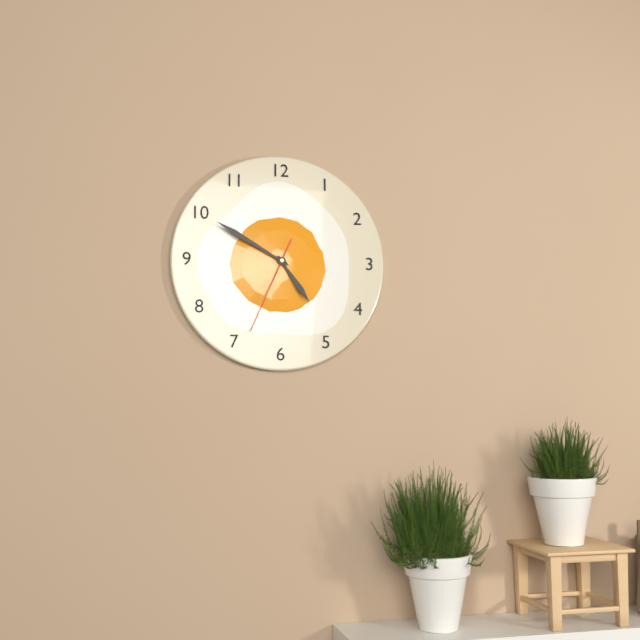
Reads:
4,50,34
